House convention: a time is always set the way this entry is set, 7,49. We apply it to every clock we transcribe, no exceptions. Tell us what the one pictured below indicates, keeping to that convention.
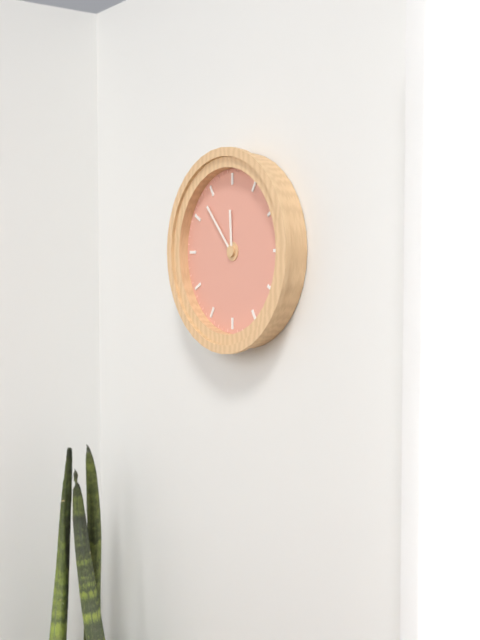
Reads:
11,53
